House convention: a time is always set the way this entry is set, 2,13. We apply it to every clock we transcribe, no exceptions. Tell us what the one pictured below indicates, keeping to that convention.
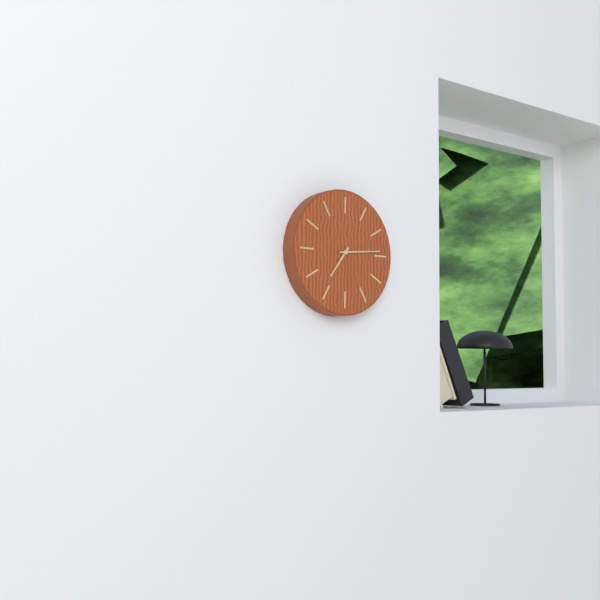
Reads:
7,14
